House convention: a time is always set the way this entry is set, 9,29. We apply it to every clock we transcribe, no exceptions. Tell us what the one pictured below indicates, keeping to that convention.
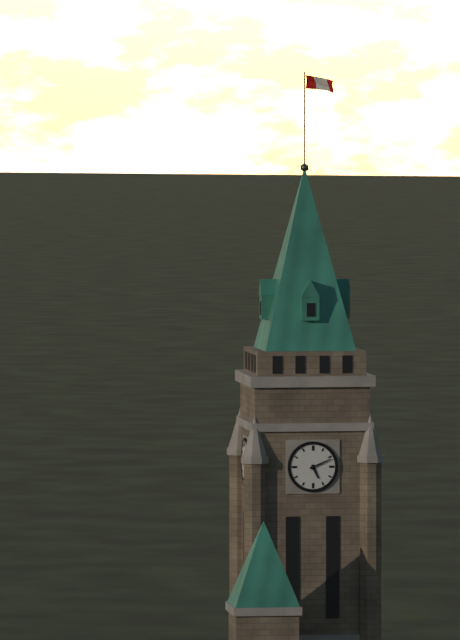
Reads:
5,11
